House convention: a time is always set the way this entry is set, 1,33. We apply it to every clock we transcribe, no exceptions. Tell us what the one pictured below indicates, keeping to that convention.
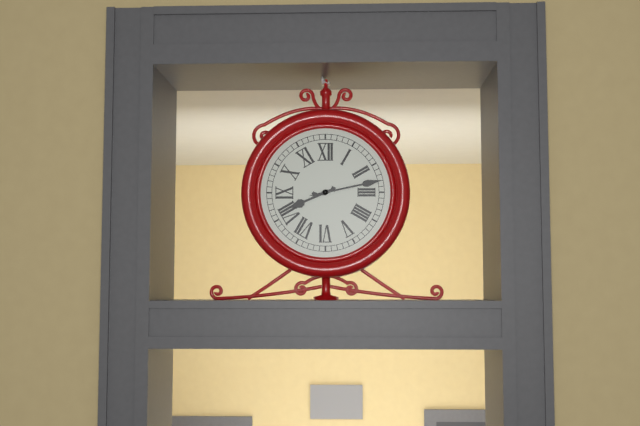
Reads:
8,13
